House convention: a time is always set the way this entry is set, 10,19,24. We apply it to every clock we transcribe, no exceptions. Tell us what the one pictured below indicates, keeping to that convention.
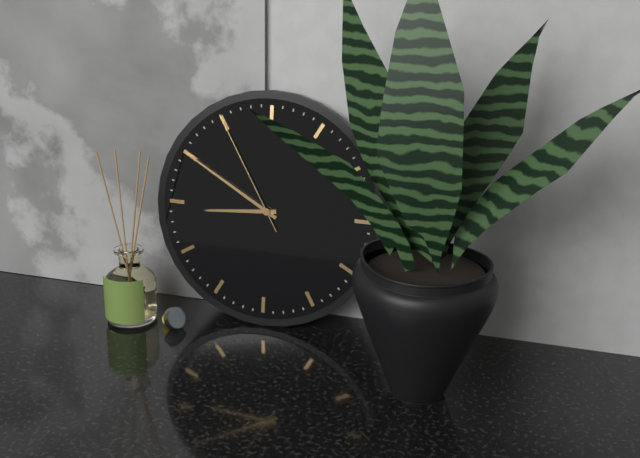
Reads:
8,50,55
